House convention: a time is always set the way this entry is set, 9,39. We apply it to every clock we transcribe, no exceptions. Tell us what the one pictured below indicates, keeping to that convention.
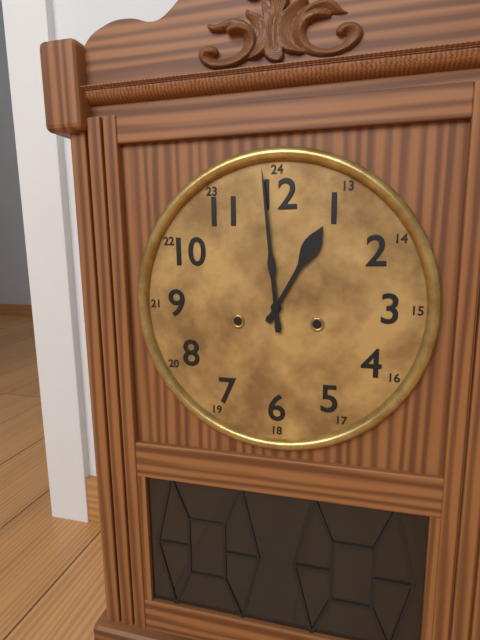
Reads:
12,59
